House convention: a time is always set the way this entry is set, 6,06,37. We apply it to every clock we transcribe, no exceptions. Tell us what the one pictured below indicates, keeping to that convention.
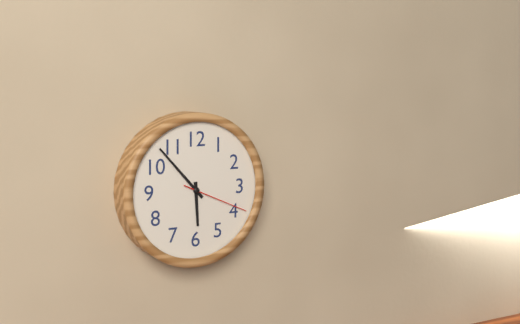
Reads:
5,53,19
